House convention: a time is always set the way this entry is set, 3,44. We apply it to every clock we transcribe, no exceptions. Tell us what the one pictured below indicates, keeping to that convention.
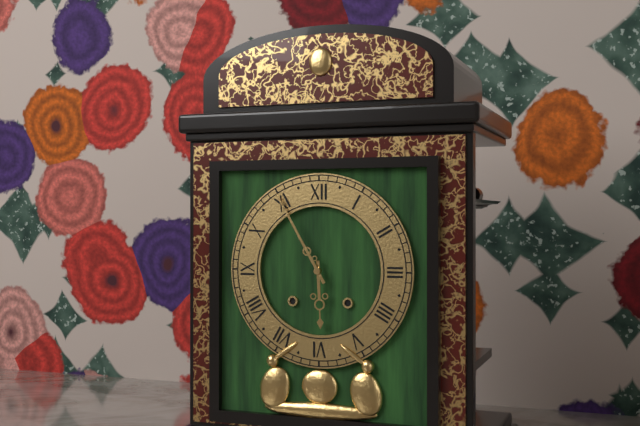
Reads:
5,55
